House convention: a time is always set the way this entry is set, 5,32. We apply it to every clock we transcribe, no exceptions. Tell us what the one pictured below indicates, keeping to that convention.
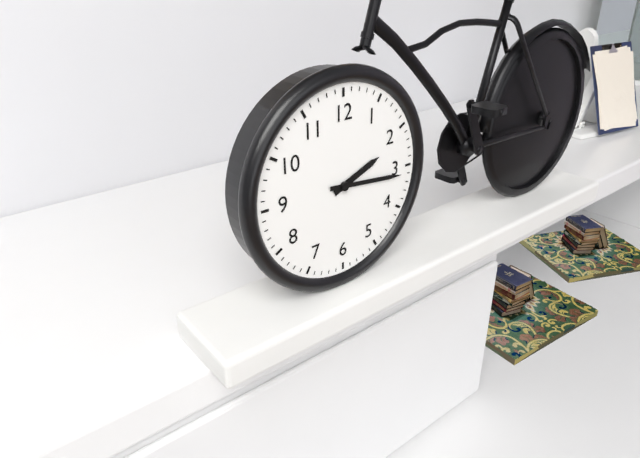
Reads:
2,16
